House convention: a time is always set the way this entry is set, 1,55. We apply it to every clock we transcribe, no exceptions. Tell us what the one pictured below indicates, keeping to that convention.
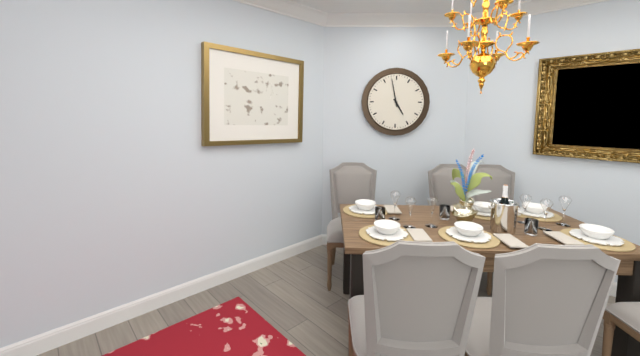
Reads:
4,58
